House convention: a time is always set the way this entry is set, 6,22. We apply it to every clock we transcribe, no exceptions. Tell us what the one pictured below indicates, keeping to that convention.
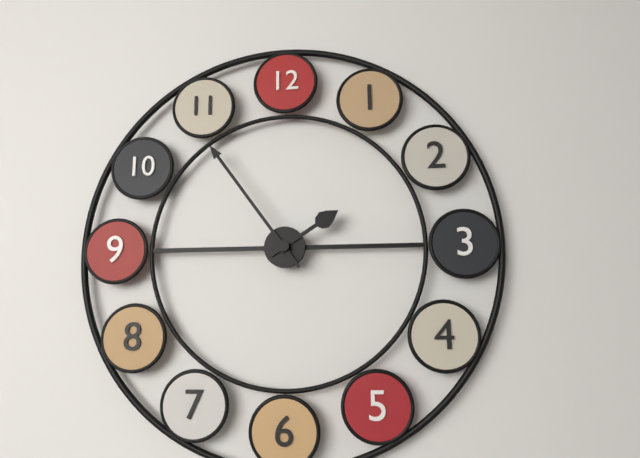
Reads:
1,54
